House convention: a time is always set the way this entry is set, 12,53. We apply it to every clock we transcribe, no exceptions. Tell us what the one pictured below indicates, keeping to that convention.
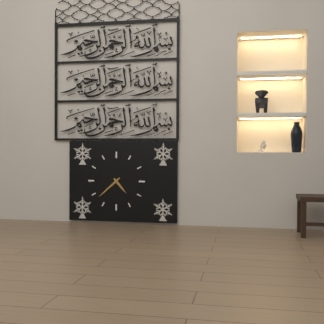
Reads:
4,38
